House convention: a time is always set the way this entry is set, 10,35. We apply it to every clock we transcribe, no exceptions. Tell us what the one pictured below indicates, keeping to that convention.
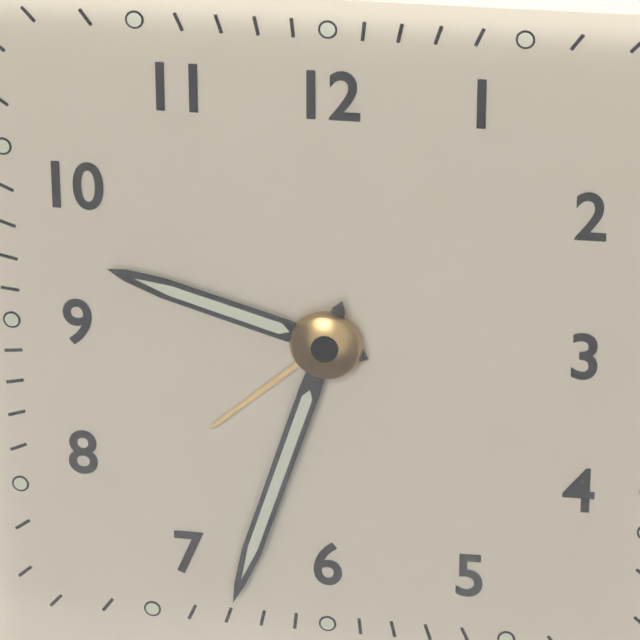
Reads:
9,33
